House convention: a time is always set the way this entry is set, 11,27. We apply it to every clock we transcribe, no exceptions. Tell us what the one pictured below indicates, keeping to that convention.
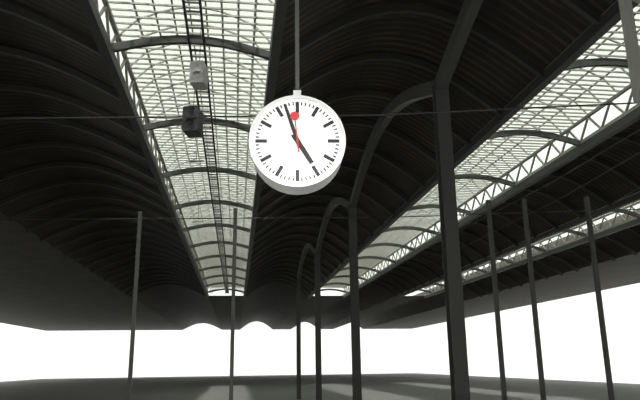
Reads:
4,57
